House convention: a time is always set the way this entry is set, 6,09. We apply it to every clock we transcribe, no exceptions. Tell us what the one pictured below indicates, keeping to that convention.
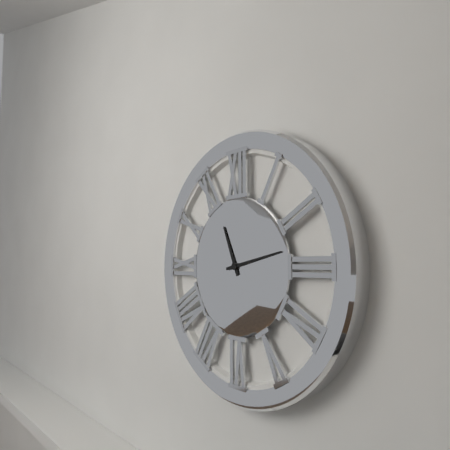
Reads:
11,13
